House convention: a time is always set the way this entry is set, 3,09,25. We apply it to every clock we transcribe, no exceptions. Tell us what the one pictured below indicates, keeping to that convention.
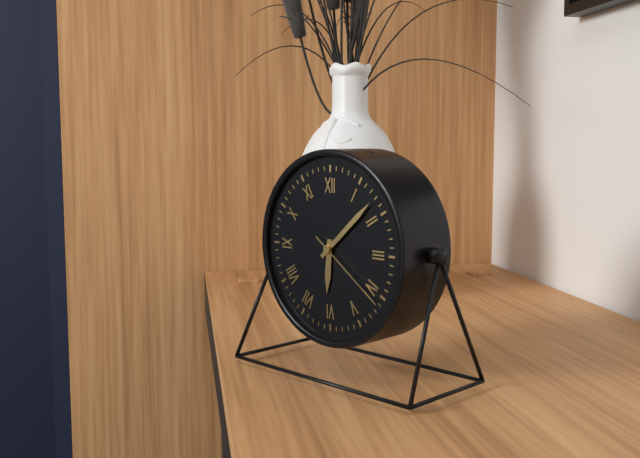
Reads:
6,08,21
